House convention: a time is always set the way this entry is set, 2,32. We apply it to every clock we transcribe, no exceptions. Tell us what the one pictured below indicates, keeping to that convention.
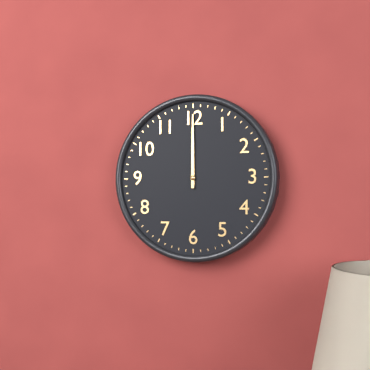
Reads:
12,00
